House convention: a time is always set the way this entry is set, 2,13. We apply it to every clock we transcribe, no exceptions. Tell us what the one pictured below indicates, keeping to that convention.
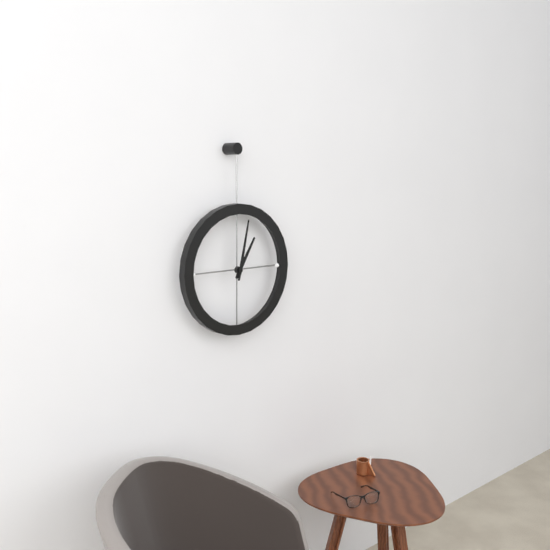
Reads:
1,02
